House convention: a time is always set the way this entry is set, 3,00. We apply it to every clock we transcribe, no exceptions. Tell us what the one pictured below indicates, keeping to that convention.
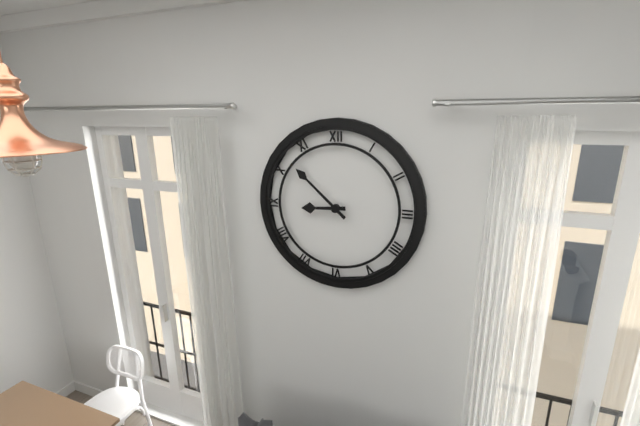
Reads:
8,52
